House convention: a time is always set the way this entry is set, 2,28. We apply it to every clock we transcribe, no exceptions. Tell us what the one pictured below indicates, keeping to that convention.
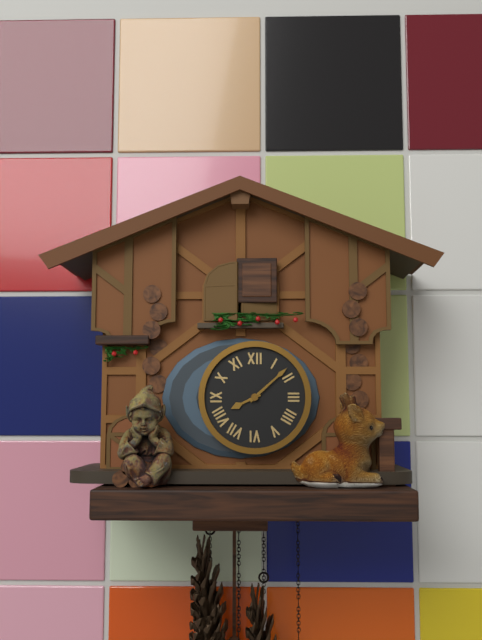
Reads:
8,08
